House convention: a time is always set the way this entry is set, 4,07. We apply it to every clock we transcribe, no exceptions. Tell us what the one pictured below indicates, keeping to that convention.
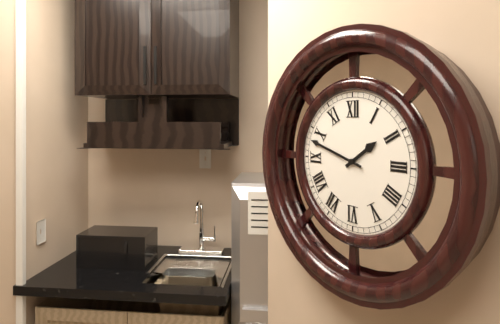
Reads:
1,48
